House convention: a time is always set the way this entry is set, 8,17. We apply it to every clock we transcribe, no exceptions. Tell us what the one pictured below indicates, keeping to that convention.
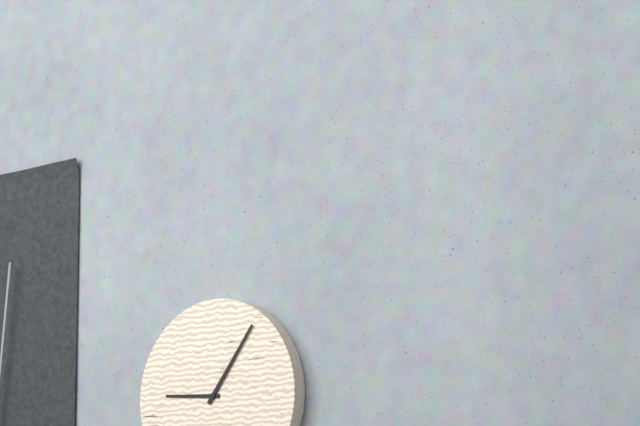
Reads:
9,06
